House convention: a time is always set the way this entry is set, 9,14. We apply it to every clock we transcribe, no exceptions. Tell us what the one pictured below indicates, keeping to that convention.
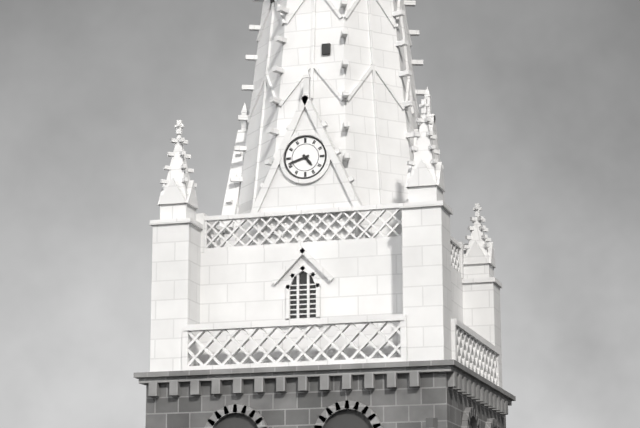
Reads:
4,42
